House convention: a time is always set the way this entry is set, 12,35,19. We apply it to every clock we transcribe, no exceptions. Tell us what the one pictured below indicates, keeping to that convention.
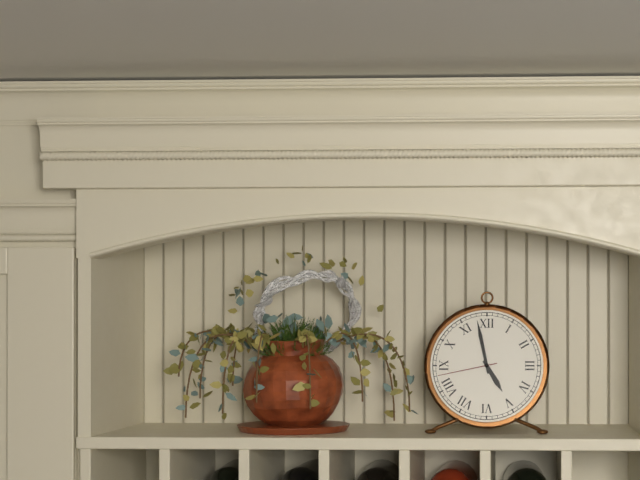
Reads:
4,58,43
